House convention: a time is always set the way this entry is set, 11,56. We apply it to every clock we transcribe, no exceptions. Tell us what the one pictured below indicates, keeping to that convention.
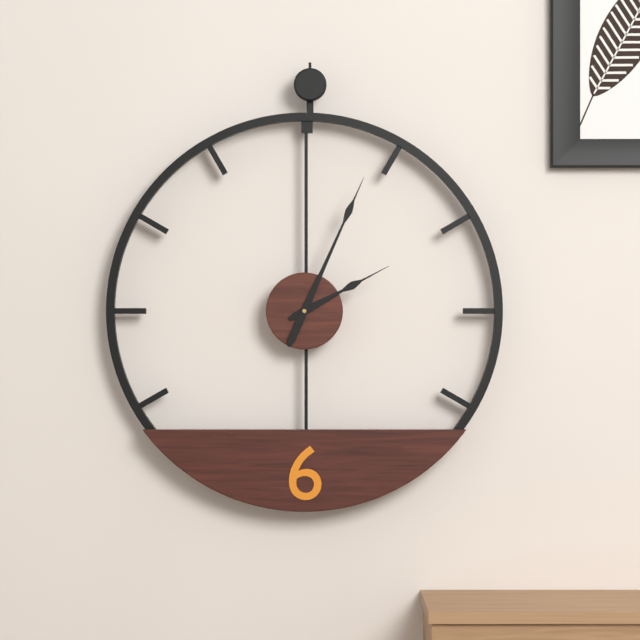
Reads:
2,04
